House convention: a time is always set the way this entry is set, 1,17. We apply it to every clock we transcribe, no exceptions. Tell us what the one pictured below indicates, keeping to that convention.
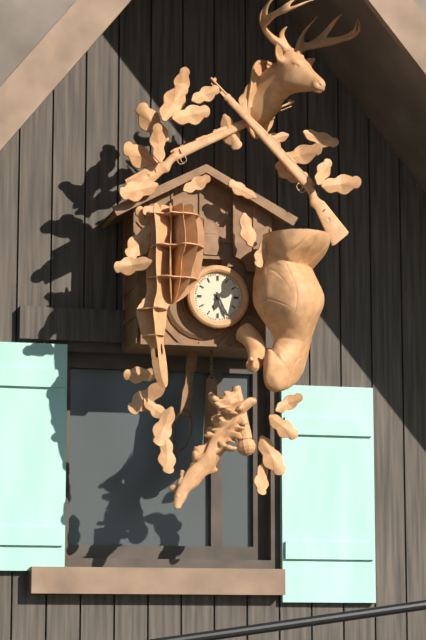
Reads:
6,26
